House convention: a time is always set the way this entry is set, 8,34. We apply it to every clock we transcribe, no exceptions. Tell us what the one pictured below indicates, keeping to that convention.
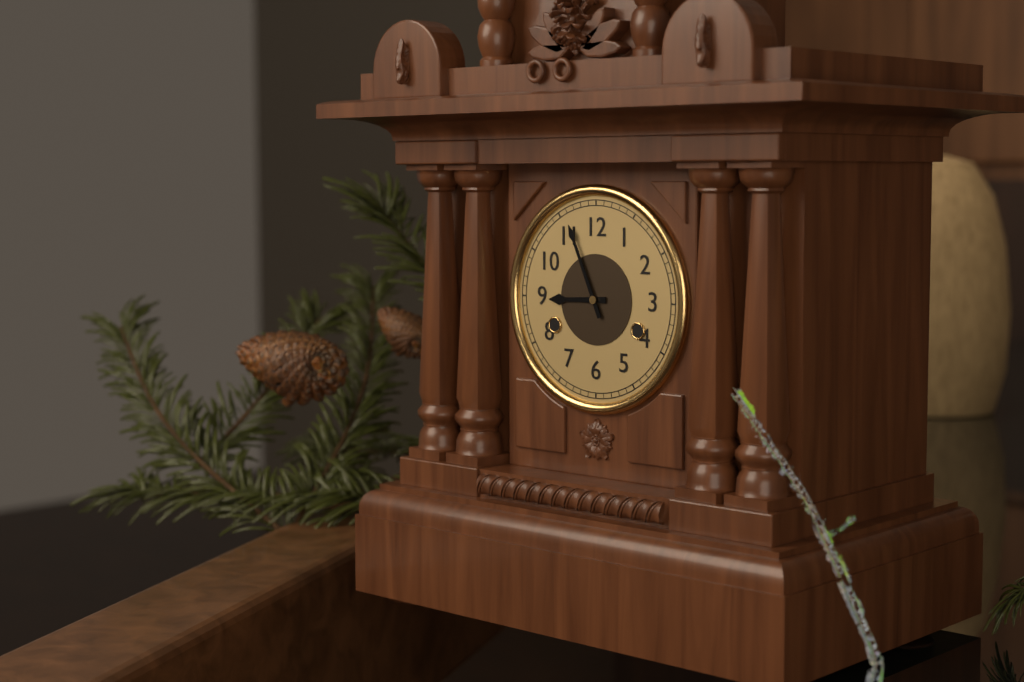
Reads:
8,56
